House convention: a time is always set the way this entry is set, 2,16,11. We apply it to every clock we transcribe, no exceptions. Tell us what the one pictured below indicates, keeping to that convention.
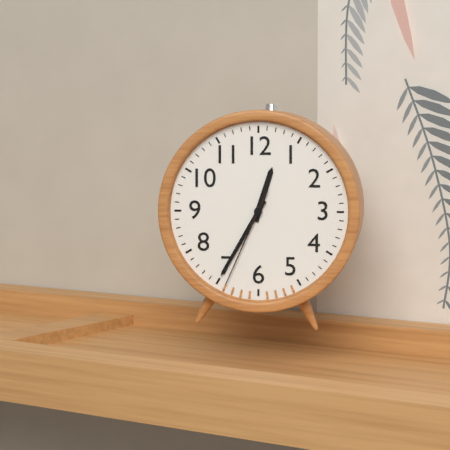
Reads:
12,35,34
